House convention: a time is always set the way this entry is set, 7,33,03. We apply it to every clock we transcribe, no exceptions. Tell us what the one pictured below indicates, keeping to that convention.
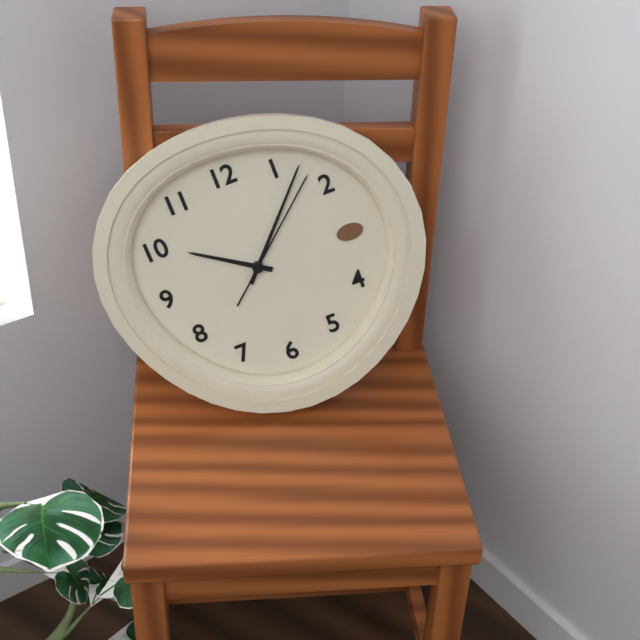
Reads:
10,07,08
